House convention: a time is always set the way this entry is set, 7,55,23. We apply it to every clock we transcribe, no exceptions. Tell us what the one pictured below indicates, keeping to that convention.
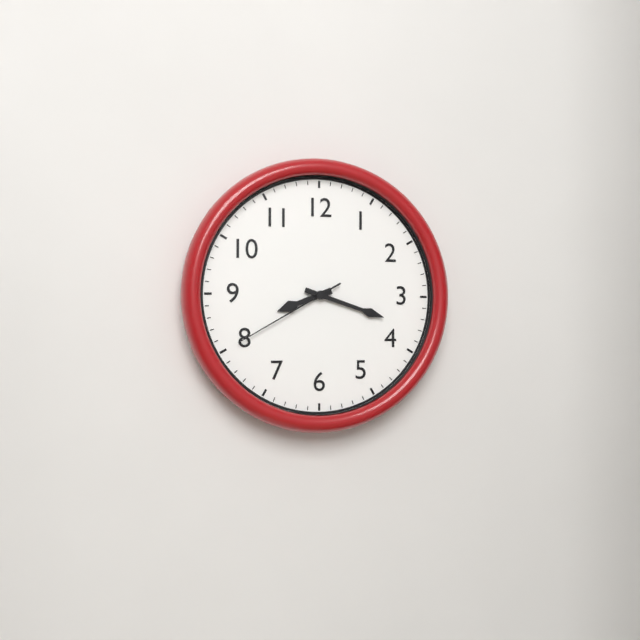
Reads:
8,18,40
